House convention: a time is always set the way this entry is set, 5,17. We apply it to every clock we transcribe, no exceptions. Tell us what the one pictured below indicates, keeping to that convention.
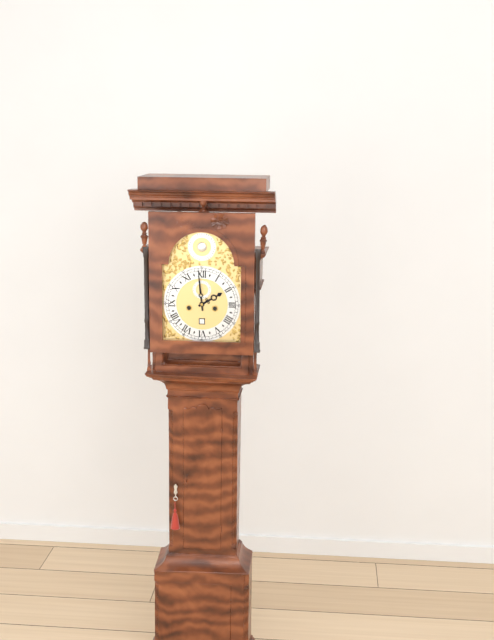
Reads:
1,59
